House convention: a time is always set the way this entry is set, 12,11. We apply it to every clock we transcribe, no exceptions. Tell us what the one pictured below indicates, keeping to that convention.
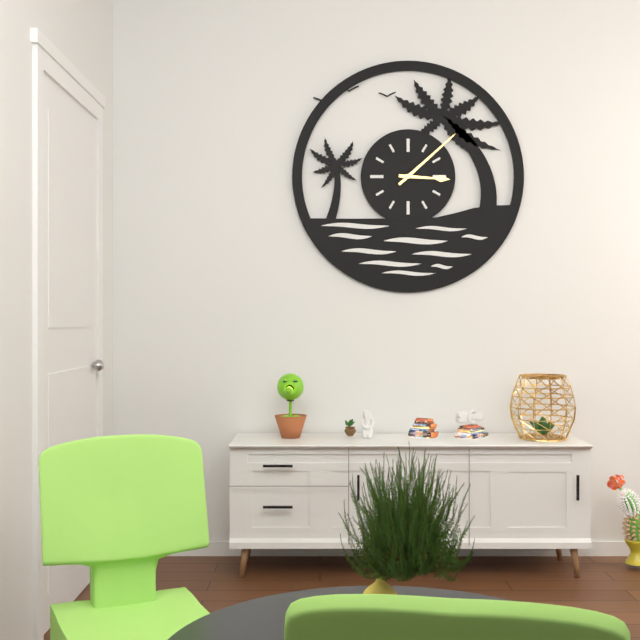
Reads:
3,08
